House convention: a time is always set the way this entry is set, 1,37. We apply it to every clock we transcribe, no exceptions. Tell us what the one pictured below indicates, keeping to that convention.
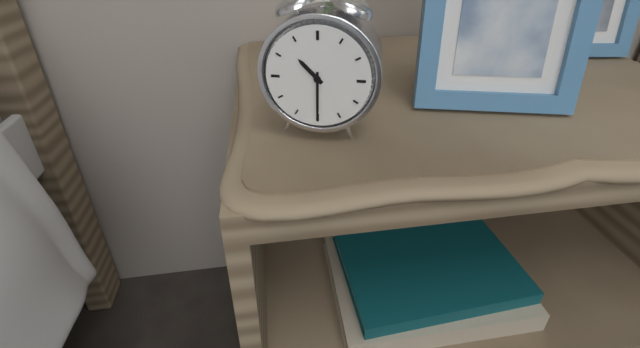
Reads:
10,30
